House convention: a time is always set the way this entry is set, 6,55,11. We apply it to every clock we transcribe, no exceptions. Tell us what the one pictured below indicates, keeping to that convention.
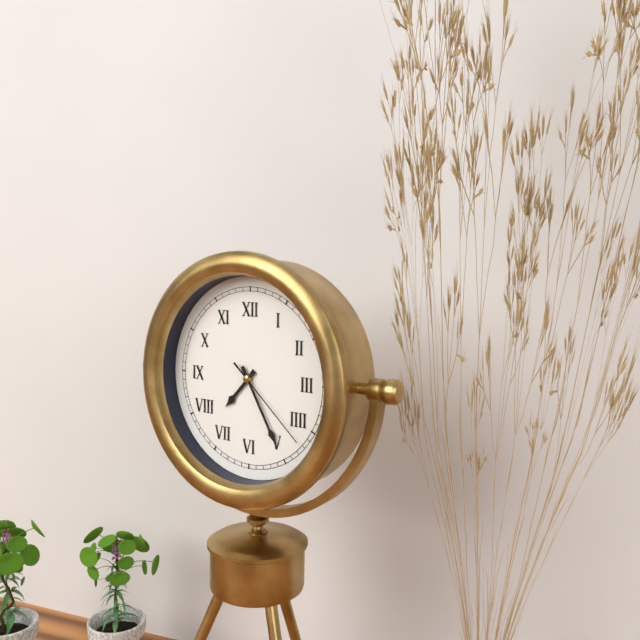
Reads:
7,25,22
